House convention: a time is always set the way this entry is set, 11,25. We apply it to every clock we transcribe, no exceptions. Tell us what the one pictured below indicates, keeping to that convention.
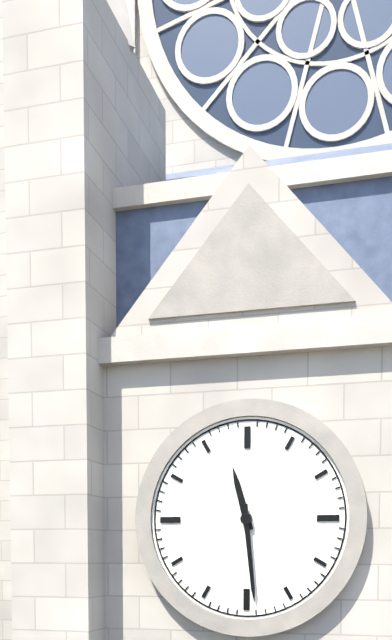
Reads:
11,29
